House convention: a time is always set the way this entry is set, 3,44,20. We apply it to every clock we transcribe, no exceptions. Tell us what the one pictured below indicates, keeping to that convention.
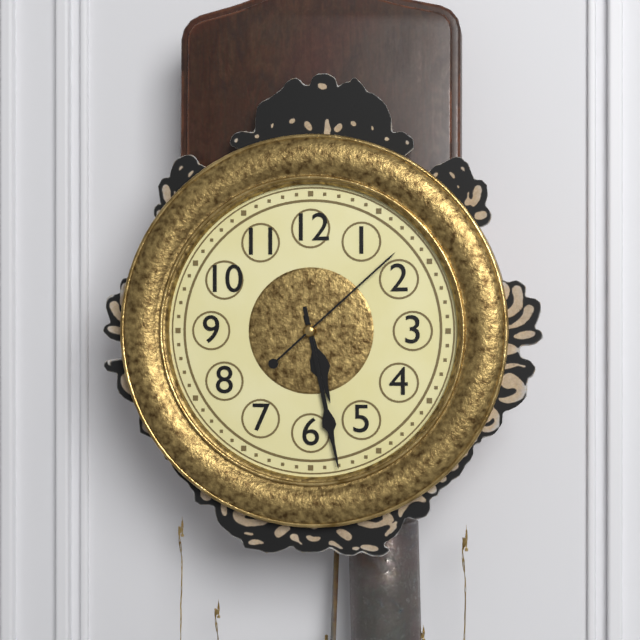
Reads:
5,28,08
